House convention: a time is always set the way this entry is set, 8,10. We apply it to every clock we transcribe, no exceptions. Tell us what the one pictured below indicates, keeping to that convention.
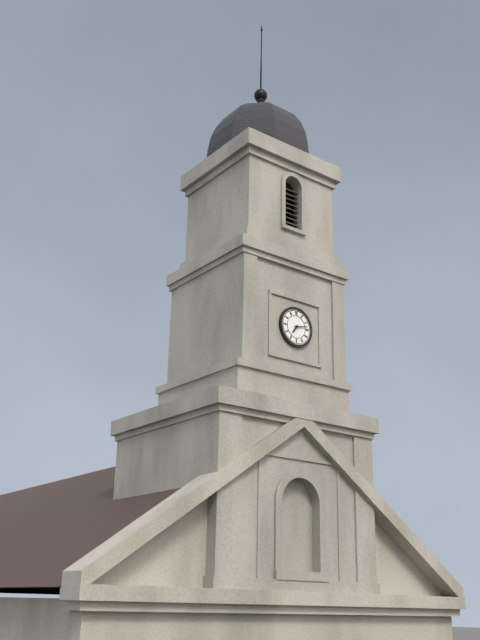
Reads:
7,13
